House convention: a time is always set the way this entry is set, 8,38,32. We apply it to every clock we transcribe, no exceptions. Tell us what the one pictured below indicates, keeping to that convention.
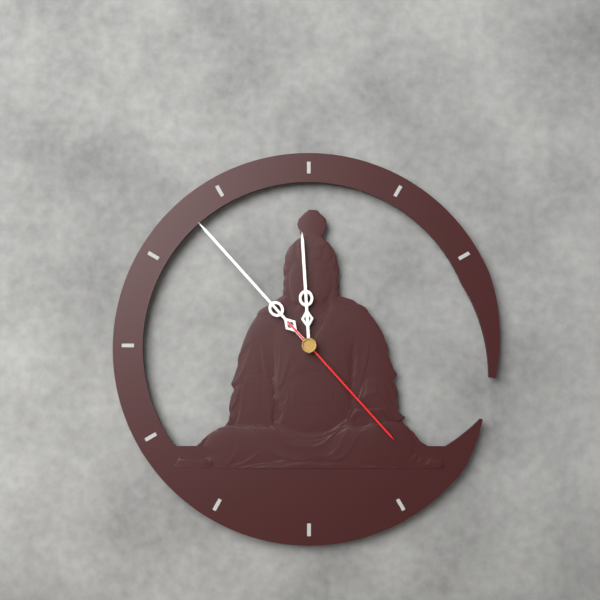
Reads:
11,53,23
